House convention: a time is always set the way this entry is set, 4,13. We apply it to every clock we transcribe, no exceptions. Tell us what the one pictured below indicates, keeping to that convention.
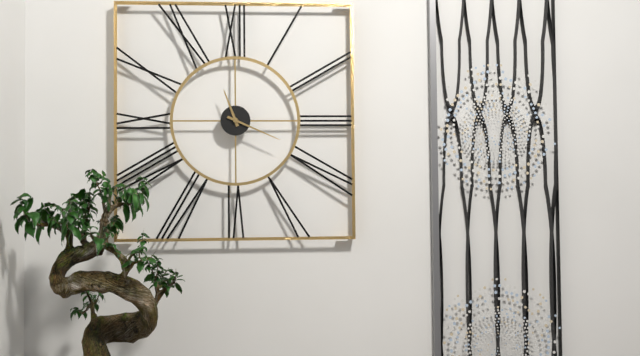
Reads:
11,19
